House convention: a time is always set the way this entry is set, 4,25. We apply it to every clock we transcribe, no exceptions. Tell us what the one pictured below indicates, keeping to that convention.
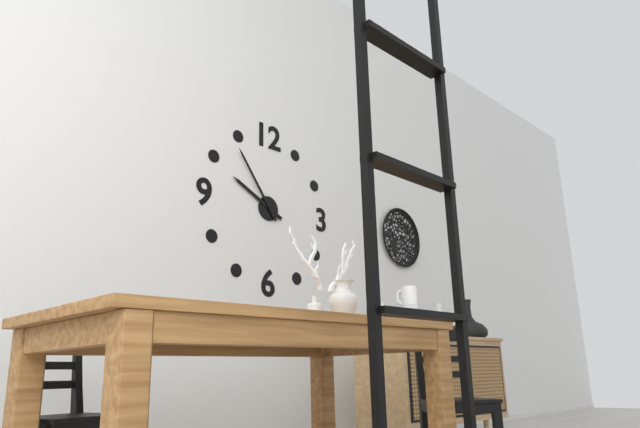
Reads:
9,54
